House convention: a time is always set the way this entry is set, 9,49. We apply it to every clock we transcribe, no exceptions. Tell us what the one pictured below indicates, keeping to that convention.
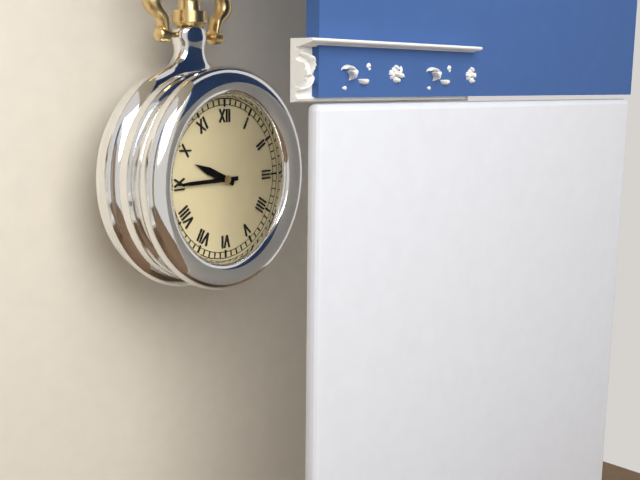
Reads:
9,45
